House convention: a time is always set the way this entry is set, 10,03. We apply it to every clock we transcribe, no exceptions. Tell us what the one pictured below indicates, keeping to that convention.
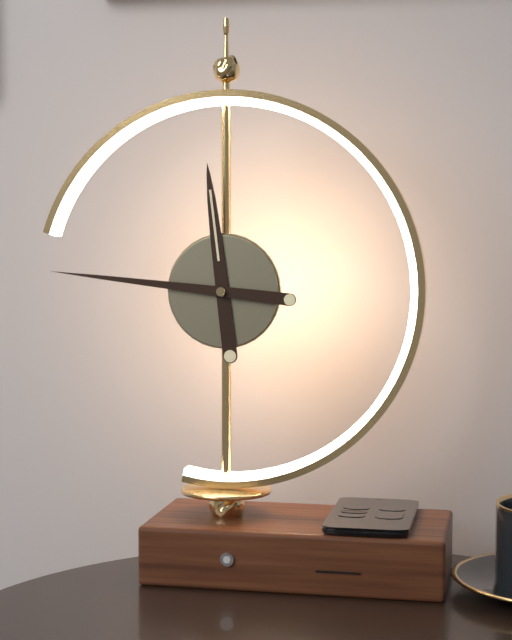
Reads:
11,46
